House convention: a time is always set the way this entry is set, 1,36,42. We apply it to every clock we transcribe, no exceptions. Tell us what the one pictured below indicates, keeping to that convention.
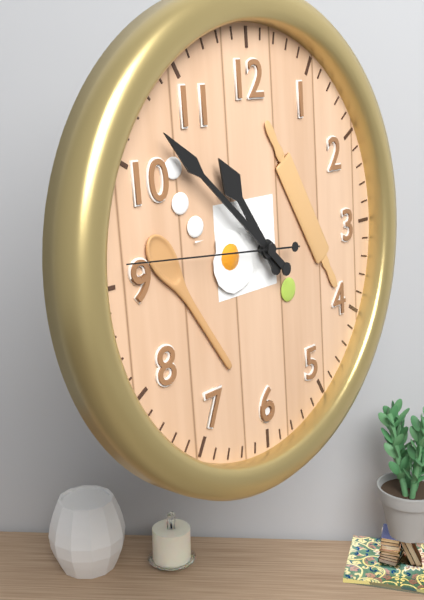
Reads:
10,52,46
